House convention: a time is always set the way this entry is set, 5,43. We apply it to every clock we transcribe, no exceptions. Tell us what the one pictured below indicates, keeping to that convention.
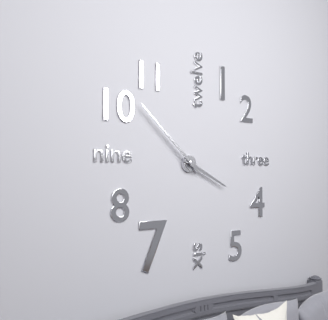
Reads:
3,52
